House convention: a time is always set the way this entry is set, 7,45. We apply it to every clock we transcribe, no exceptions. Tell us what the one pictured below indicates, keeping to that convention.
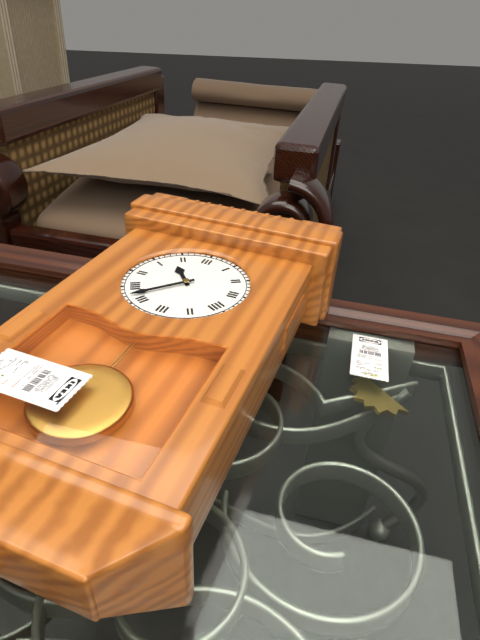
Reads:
10,37
